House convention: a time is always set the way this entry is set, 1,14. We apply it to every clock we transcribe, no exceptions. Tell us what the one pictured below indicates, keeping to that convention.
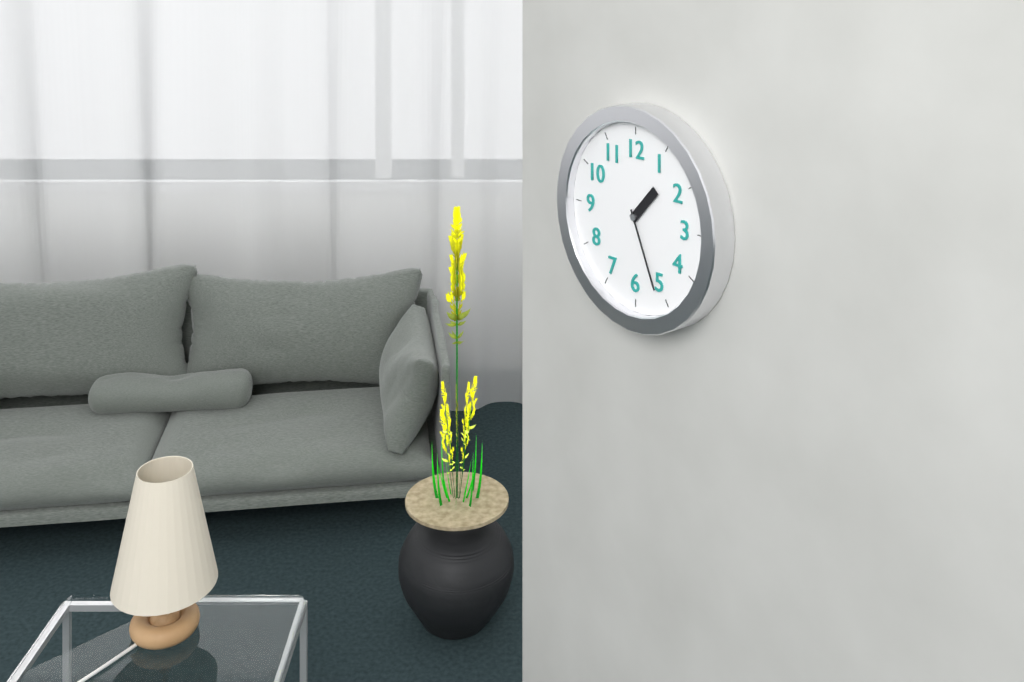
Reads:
1,26
